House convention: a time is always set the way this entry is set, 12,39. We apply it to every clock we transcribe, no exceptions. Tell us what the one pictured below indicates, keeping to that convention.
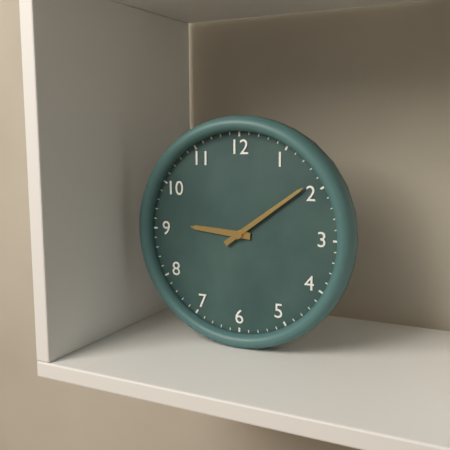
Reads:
9,09
